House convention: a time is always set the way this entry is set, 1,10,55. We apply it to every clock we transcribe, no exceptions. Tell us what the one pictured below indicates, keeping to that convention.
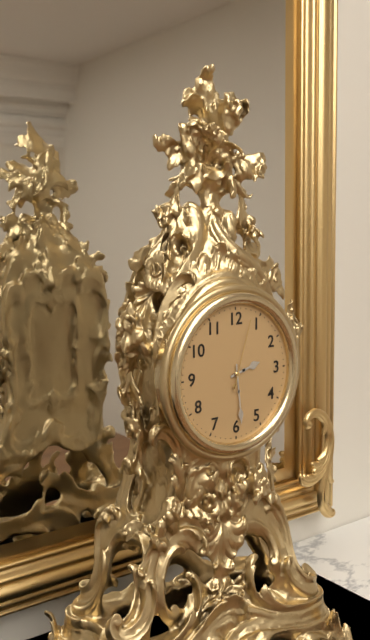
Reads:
2,29,03
